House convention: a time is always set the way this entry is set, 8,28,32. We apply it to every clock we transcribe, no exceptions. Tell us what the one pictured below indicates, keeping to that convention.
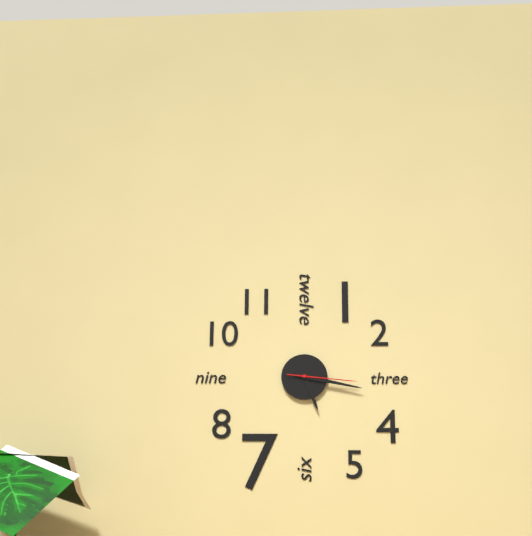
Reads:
5,17,16
